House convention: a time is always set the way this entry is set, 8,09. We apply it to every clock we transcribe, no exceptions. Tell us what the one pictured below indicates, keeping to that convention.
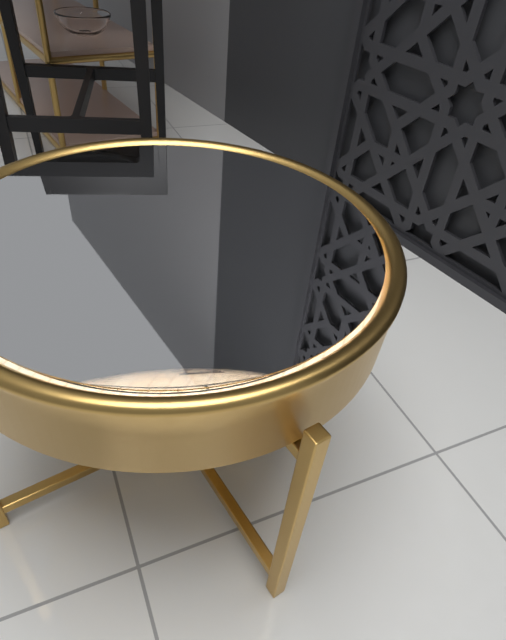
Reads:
9,48
